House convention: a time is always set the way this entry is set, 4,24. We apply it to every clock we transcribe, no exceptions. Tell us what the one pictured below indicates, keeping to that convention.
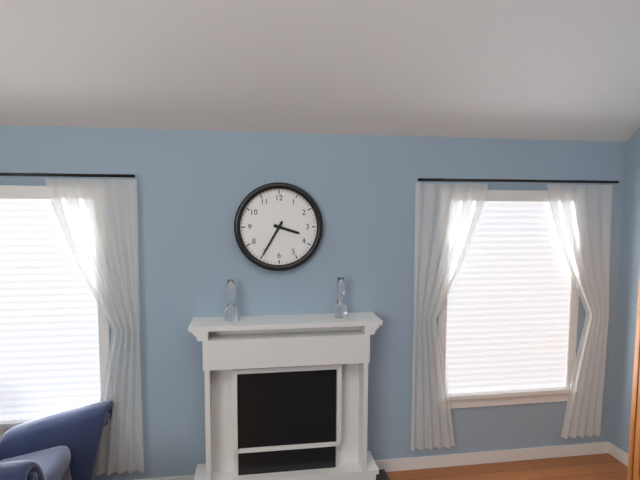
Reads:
3,35
